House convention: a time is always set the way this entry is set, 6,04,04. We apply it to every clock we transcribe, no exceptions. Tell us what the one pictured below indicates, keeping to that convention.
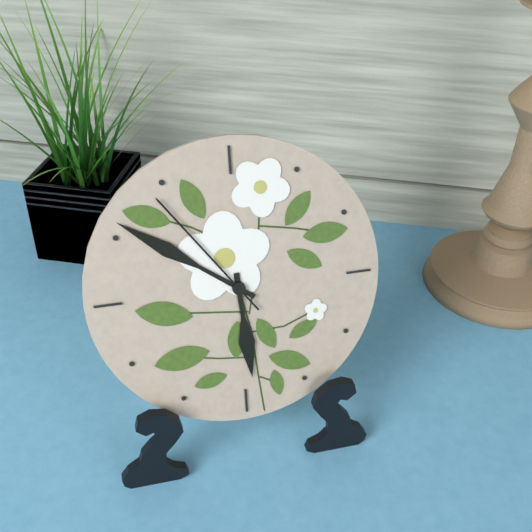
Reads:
5,51,54
